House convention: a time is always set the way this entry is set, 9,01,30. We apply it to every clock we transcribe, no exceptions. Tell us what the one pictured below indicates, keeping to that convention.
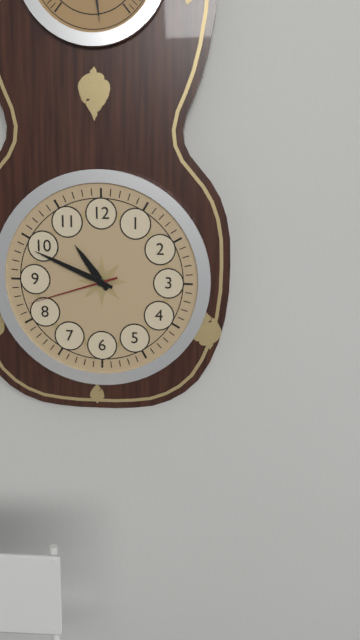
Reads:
10,49,42
